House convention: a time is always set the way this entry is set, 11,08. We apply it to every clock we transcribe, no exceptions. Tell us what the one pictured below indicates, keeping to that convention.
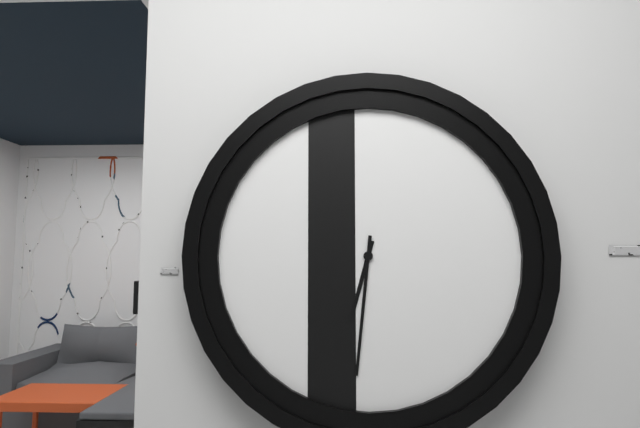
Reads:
6,31
